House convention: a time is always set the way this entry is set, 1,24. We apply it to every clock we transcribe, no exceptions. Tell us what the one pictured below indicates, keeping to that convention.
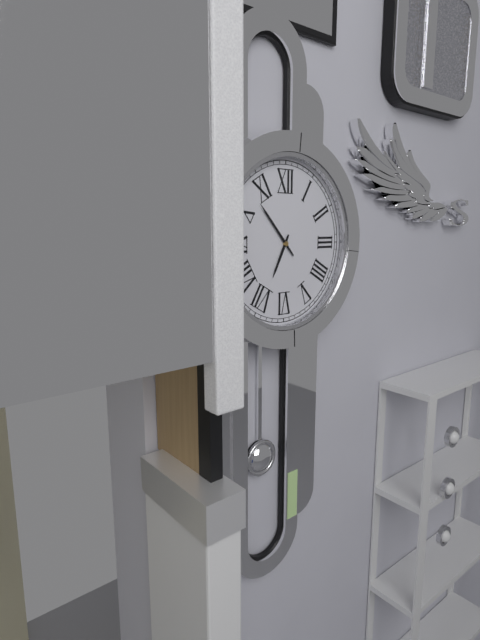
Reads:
6,53
